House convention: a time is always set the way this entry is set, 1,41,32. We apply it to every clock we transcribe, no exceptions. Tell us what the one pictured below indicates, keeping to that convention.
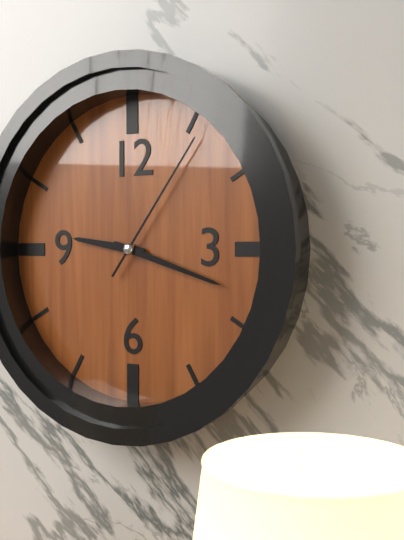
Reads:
9,18,06
